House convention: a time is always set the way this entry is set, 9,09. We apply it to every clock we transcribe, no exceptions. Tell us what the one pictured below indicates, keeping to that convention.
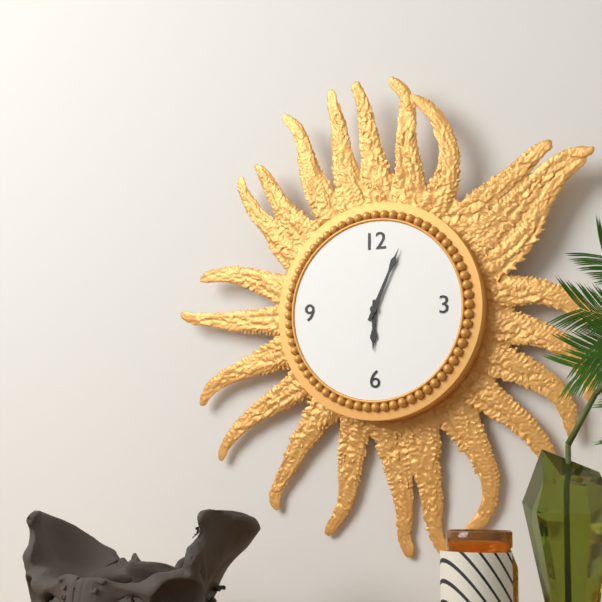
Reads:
6,04
